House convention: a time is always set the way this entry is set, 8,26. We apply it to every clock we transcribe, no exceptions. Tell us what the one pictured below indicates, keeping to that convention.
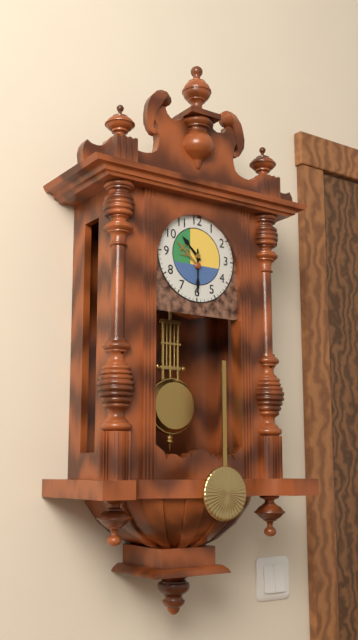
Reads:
10,30
